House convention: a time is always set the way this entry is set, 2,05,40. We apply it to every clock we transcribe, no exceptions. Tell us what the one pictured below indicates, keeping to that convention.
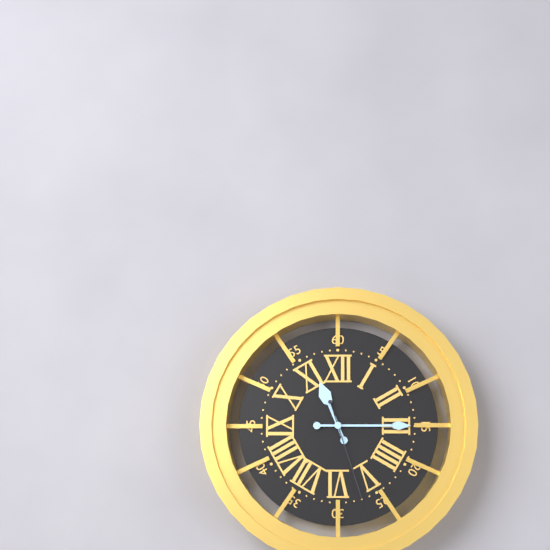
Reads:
11,15,27
